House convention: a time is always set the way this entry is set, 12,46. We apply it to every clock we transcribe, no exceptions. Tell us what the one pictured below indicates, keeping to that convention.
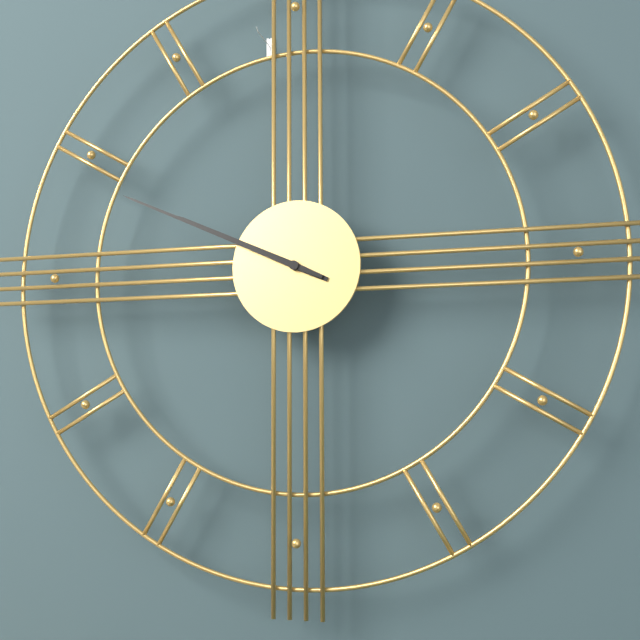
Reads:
9,49
